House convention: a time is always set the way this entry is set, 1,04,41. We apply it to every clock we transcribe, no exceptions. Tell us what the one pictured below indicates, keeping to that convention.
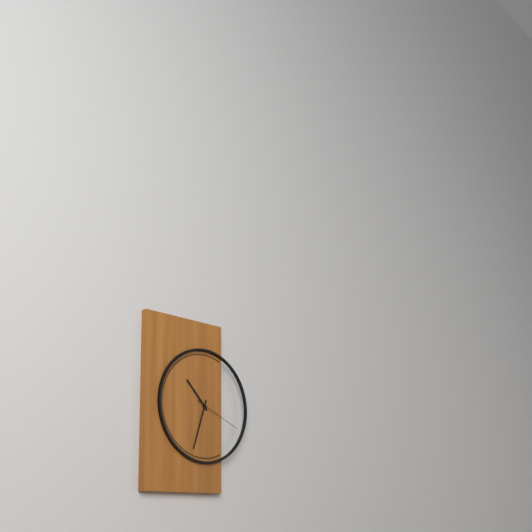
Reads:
10,33,19
